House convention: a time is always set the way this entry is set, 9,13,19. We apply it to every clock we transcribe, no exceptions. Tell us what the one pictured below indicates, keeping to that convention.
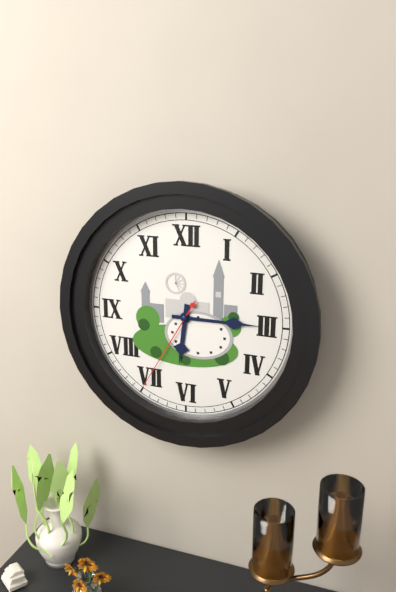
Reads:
6,15,35
